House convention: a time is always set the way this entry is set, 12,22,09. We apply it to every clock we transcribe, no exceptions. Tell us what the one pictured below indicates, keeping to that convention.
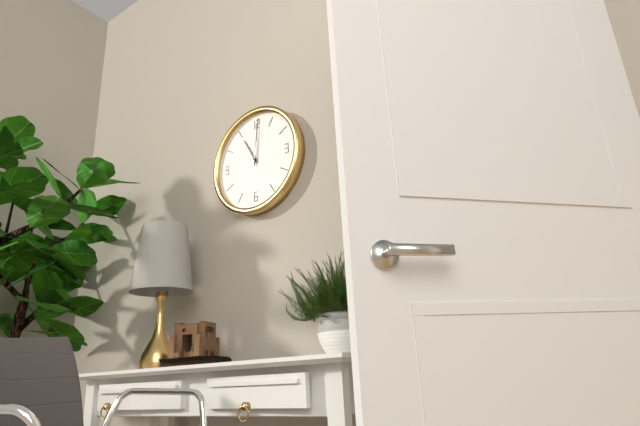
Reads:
11,01,02
